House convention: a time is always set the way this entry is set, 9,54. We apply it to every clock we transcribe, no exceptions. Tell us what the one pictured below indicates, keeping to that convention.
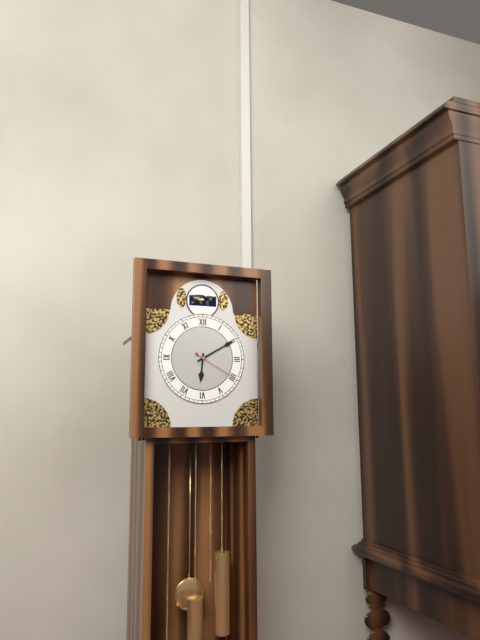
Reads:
6,10
